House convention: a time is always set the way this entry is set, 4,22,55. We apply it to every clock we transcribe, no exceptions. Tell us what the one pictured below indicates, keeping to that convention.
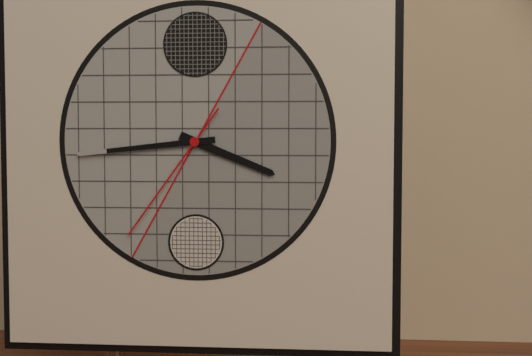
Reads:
3,44,36
